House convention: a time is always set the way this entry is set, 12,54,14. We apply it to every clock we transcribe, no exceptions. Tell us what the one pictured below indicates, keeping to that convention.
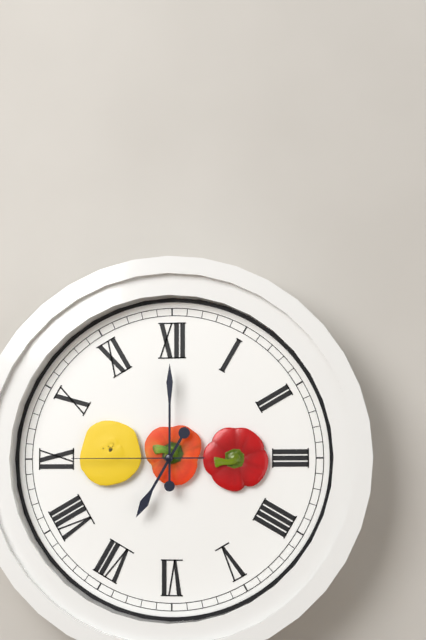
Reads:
7,00,45
